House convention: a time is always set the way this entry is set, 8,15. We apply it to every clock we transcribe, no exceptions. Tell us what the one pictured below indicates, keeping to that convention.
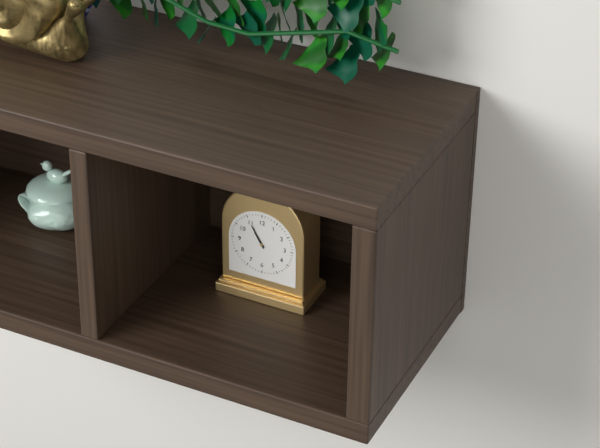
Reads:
10,55
